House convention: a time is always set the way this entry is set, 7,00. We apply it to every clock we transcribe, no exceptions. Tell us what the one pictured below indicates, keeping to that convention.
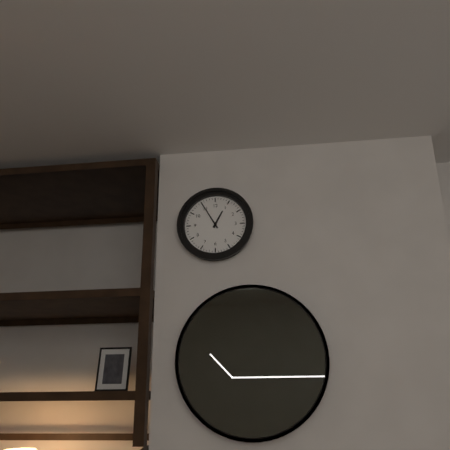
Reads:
12,55
